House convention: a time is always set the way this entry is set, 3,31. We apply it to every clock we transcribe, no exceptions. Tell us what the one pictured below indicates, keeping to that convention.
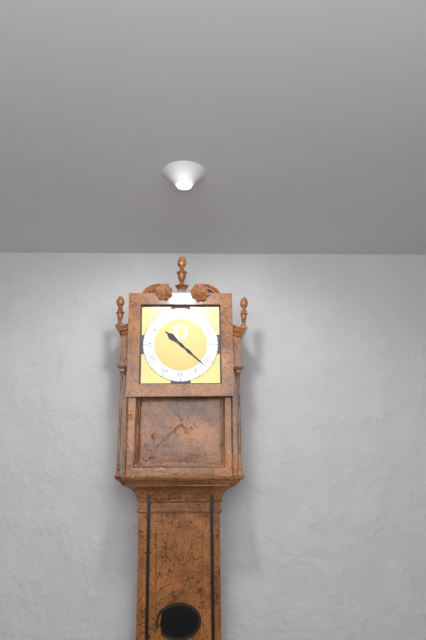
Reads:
10,22
